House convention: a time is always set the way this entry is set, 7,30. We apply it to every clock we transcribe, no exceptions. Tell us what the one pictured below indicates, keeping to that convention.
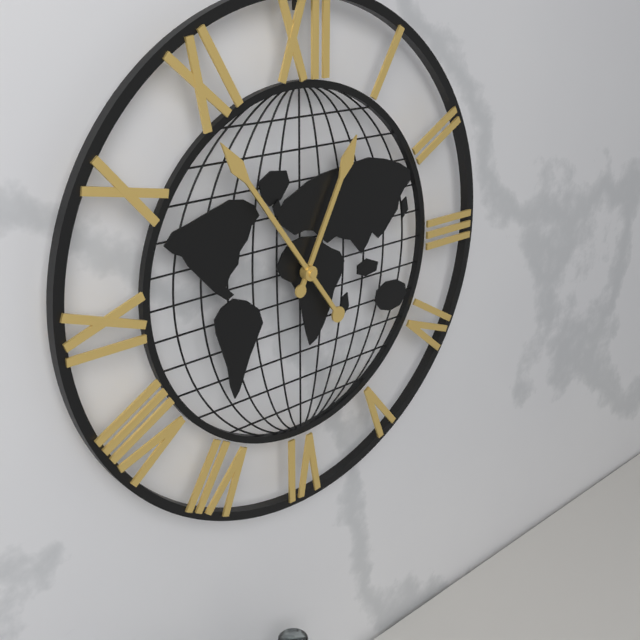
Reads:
12,54
